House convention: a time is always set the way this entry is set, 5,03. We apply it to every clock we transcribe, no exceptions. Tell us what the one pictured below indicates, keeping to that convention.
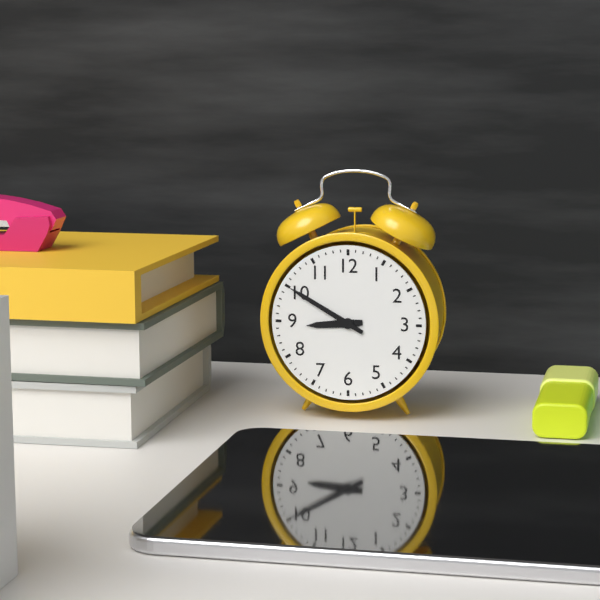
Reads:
8,50
